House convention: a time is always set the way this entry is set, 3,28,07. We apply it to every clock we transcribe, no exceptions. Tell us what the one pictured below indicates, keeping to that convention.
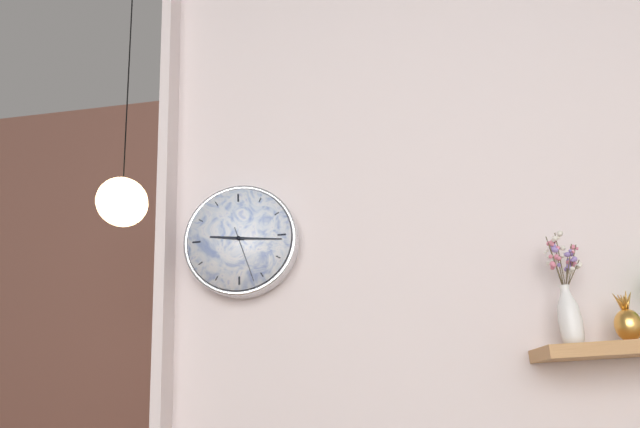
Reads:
9,16,27
